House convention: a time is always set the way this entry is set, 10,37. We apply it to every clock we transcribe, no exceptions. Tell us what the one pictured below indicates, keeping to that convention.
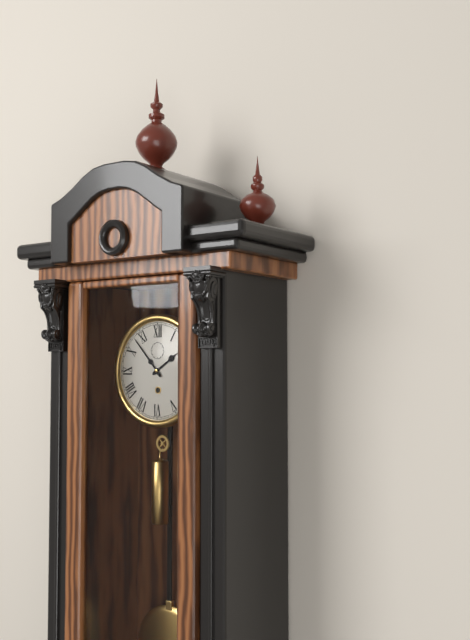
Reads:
1,53
